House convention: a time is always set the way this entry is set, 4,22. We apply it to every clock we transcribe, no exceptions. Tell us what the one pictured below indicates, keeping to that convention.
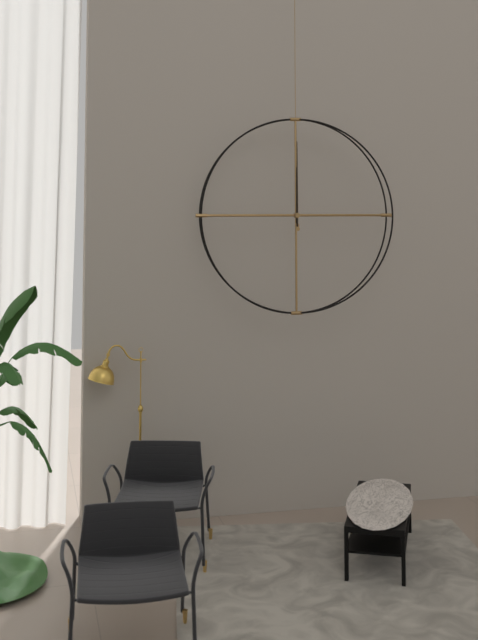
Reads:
12,00
